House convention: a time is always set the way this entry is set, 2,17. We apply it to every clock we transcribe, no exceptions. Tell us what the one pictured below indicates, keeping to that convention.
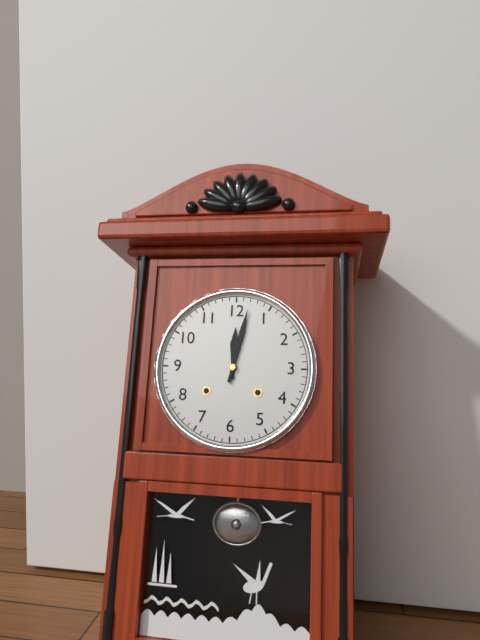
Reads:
12,02
